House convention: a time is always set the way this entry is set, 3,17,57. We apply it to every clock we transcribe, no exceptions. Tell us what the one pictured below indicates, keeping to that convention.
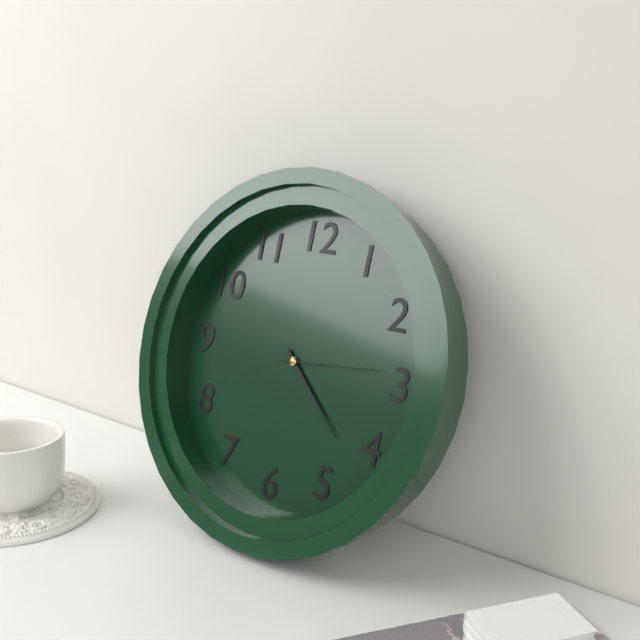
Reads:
4,22,14
